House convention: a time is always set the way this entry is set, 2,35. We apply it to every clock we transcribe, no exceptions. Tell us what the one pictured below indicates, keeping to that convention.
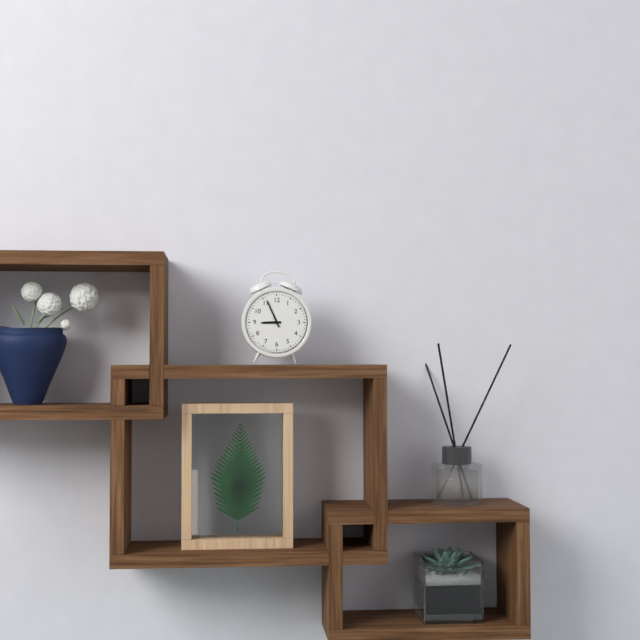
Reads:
8,56
